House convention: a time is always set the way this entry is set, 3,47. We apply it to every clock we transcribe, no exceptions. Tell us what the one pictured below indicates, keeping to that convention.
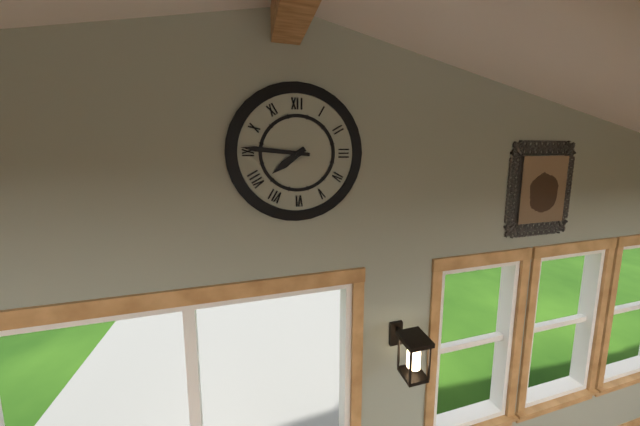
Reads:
7,46
